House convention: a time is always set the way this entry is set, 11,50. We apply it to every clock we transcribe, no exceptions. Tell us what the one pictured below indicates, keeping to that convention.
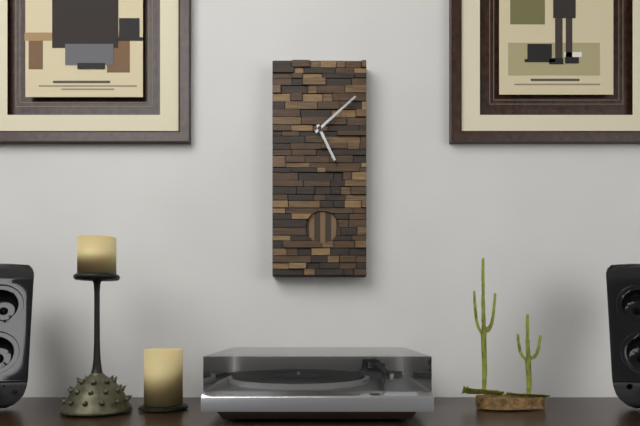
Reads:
5,08
